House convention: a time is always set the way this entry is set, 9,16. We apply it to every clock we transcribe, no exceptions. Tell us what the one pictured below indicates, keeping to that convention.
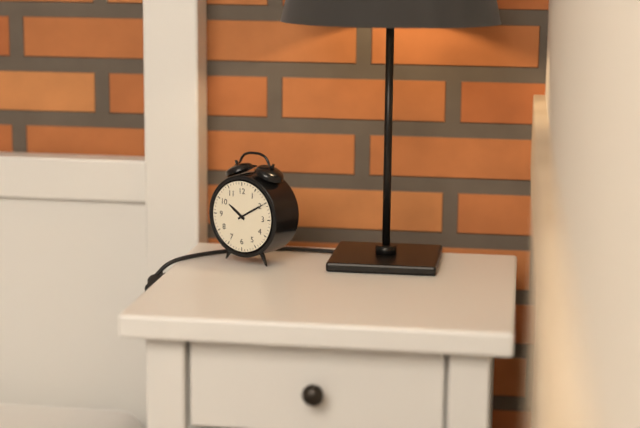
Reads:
10,10
